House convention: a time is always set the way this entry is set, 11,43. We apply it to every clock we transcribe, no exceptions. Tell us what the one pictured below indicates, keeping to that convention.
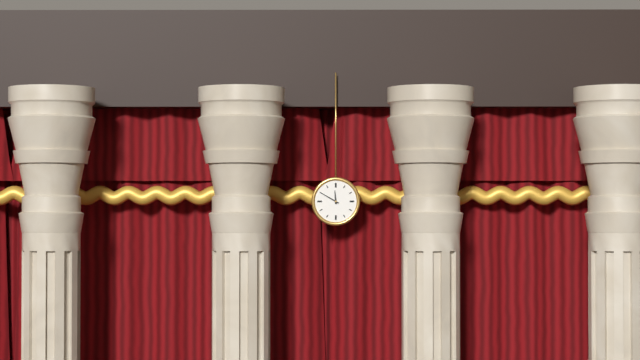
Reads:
11,50
